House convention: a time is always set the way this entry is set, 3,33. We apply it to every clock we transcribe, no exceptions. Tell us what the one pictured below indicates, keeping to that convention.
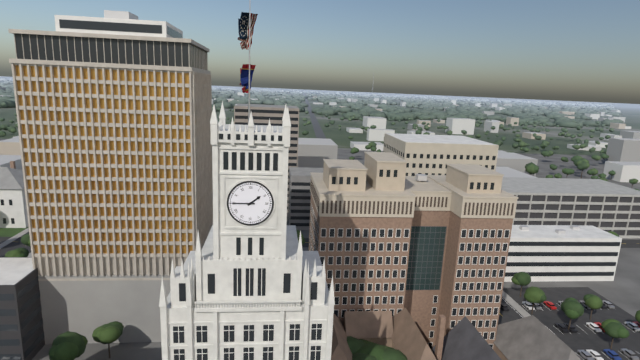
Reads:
1,45
